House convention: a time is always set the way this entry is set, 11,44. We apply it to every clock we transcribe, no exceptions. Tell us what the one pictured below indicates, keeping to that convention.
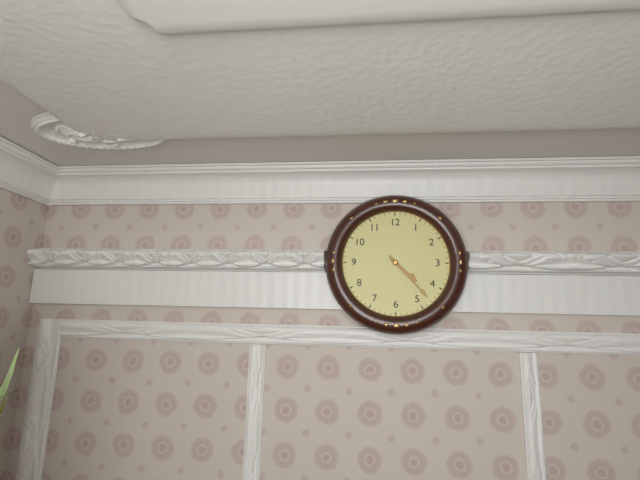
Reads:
4,23
